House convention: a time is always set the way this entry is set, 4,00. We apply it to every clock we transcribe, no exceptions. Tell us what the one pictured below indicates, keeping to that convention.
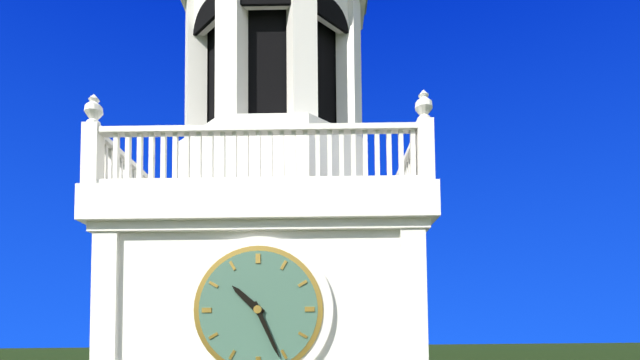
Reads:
10,26
